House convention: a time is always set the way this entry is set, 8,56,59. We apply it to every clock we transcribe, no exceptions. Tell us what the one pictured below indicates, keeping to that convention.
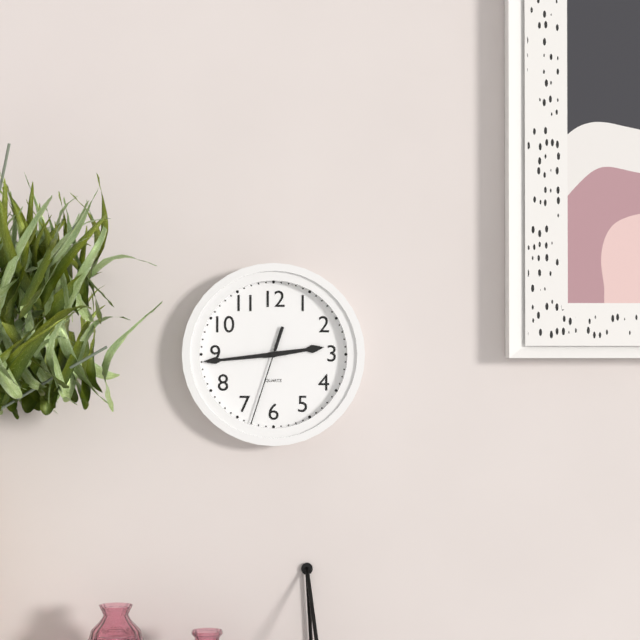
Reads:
2,44,33
